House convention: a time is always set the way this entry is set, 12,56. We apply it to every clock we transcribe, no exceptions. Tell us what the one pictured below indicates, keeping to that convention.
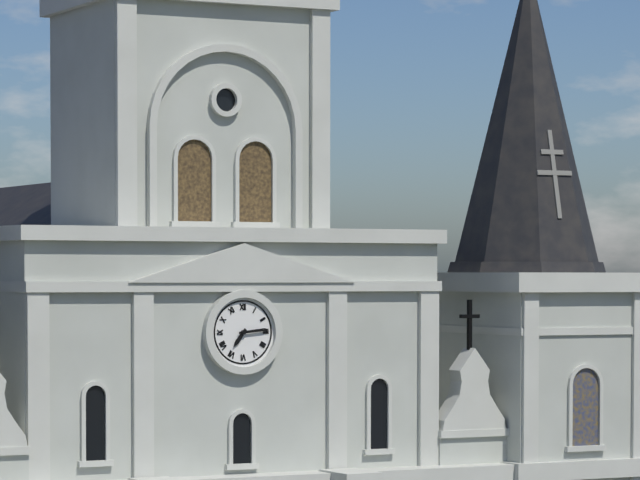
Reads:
7,14
